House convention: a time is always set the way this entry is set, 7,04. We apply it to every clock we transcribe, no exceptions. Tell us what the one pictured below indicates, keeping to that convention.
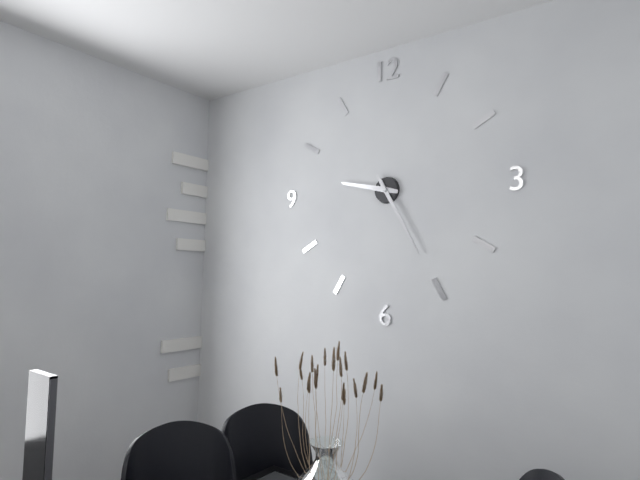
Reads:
9,25
